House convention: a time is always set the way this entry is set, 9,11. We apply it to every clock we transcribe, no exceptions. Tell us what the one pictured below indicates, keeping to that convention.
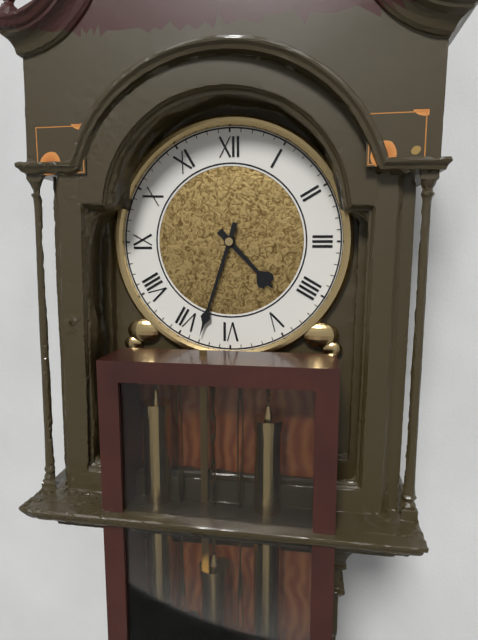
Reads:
4,33
